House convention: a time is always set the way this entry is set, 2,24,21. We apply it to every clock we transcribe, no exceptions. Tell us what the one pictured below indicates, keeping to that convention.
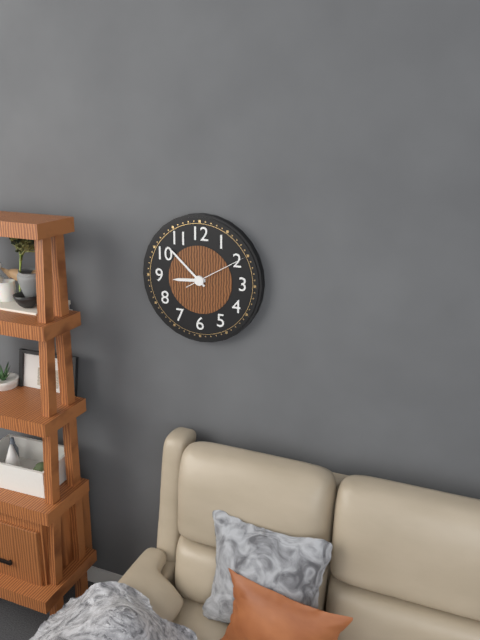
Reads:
8,52,10
